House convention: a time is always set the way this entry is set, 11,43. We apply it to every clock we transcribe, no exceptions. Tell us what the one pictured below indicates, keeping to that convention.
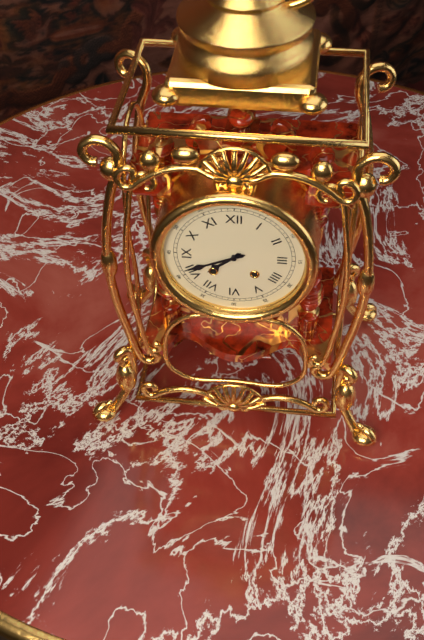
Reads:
7,41
